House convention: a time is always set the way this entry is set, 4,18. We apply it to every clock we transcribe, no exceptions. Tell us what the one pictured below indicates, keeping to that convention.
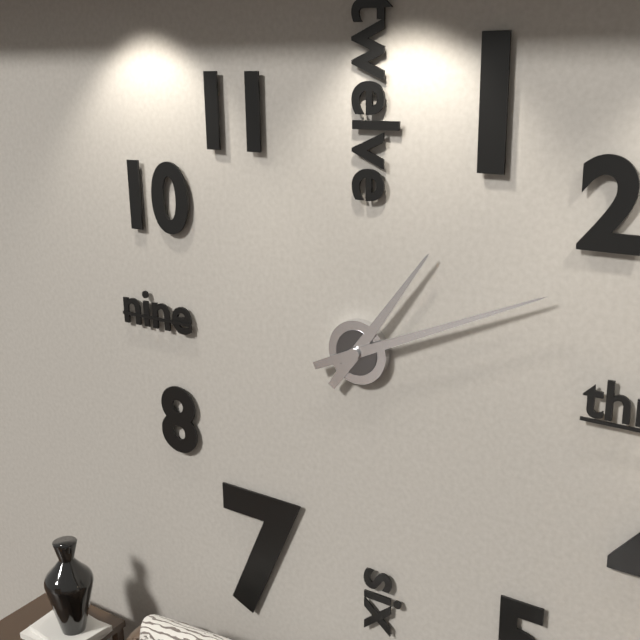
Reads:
1,11
